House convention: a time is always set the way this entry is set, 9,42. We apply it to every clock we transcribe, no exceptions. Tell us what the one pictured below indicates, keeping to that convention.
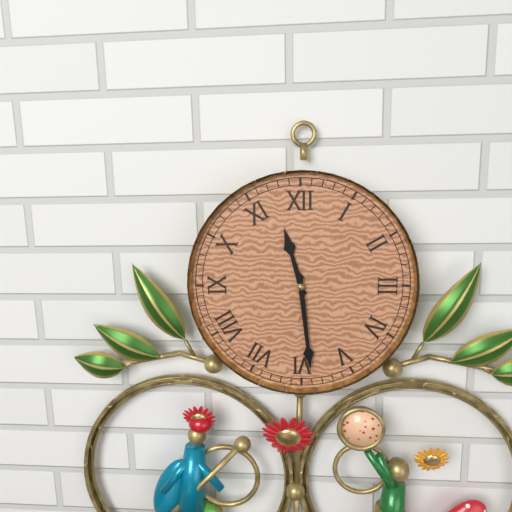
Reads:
11,29
